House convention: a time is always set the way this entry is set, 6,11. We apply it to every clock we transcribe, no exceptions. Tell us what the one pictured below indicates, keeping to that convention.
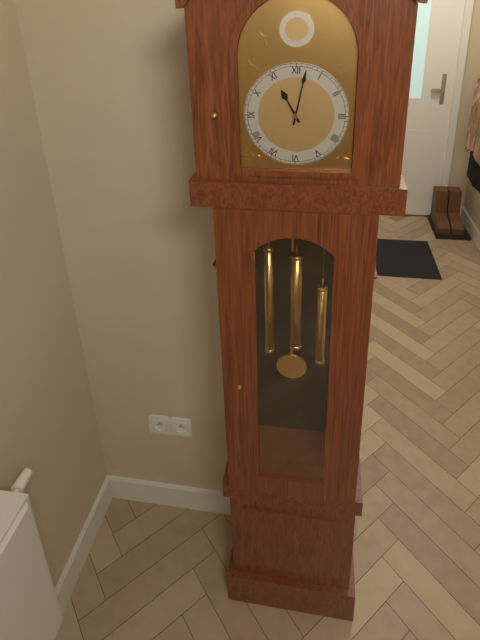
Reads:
11,02
